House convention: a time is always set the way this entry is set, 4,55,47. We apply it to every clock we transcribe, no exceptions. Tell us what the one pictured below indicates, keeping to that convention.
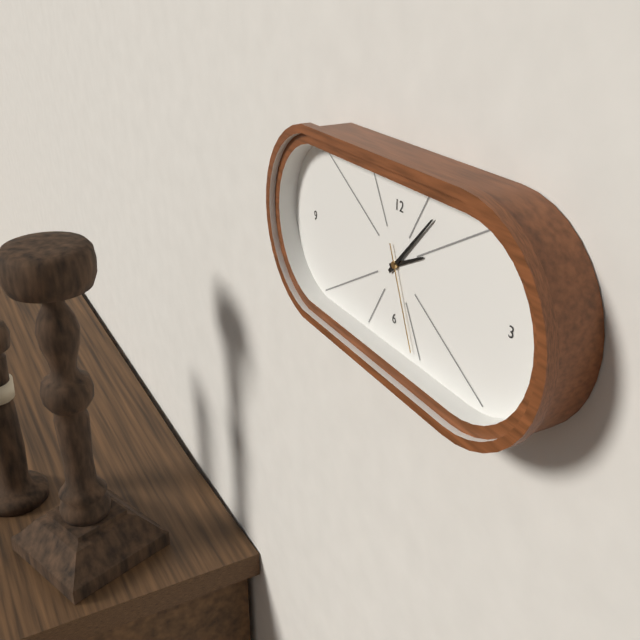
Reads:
2,07,26
